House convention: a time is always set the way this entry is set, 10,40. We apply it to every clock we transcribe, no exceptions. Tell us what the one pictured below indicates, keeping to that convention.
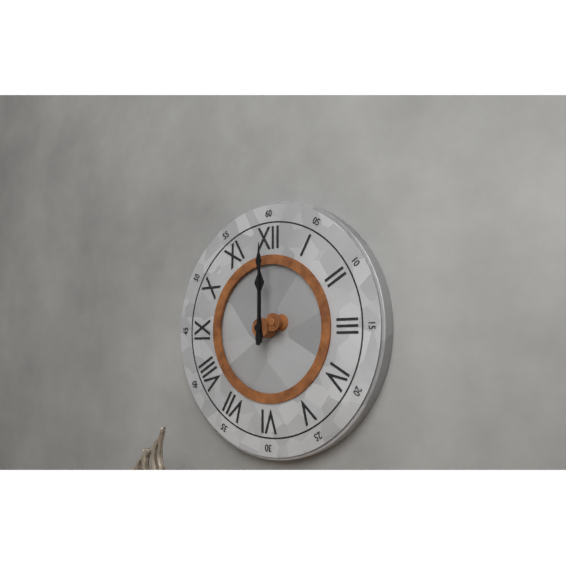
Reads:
12,00
